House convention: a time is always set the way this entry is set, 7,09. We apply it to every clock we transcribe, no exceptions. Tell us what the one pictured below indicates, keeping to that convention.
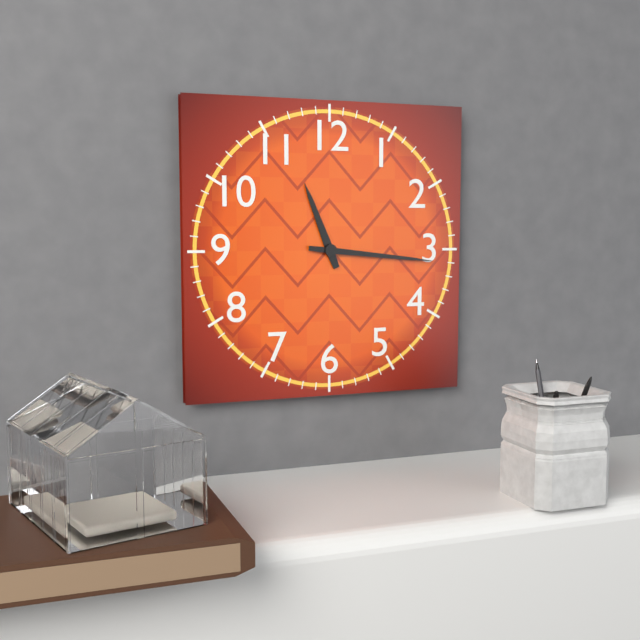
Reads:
11,16
